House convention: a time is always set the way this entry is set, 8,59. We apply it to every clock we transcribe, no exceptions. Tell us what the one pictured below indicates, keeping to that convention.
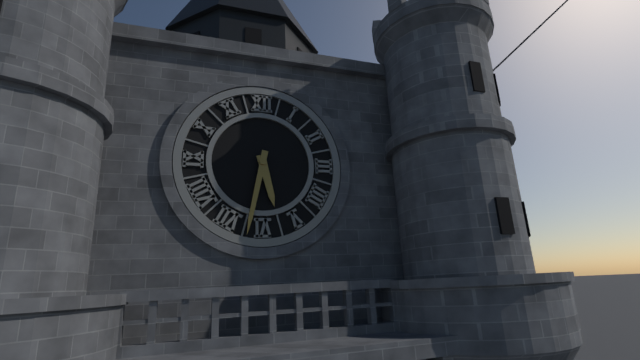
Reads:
5,32
